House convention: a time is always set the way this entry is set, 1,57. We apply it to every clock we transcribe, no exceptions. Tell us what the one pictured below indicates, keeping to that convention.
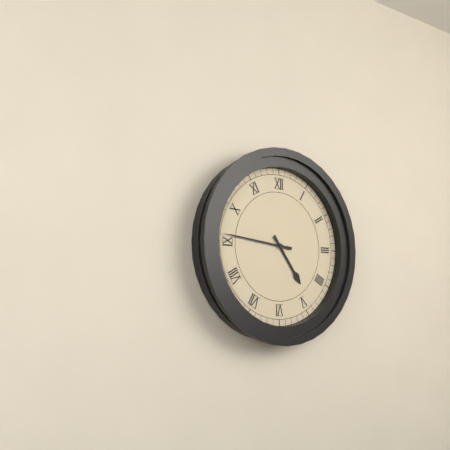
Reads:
4,46
